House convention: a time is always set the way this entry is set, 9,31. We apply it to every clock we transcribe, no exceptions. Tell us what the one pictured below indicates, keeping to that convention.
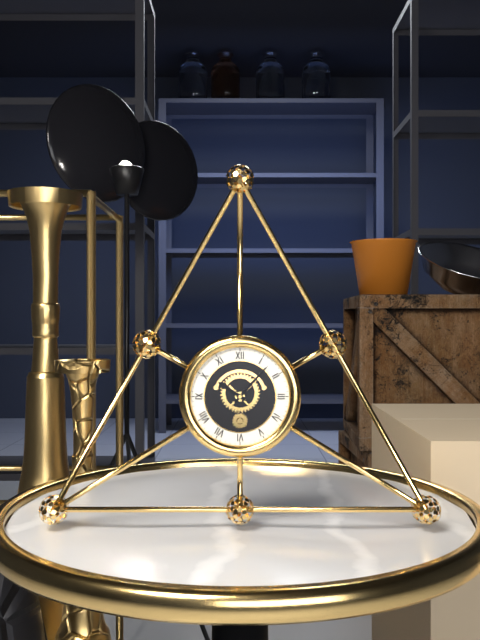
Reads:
10,07
